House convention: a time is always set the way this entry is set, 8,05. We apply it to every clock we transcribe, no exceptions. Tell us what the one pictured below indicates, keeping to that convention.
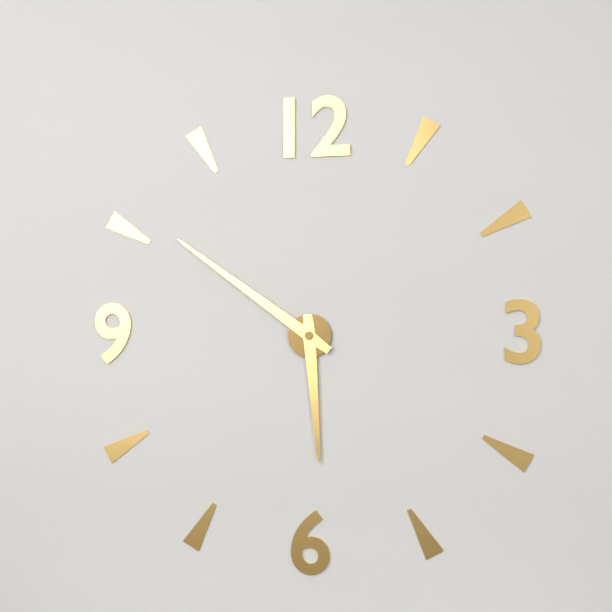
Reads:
5,51
